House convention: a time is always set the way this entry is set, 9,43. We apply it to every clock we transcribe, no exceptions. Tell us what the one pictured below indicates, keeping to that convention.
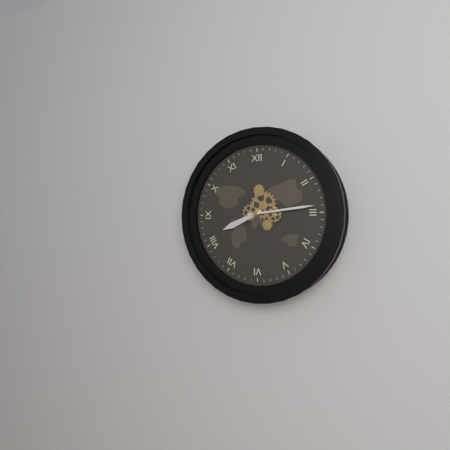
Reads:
8,14
